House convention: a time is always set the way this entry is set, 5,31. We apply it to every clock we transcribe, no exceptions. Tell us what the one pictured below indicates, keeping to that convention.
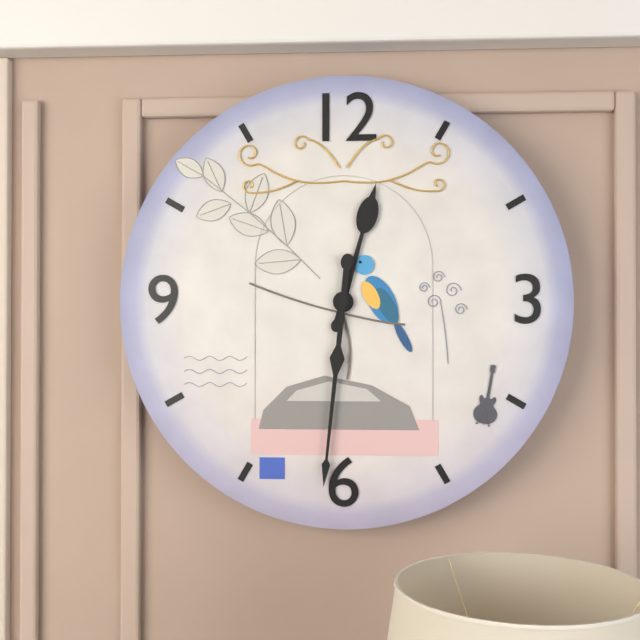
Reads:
12,31
